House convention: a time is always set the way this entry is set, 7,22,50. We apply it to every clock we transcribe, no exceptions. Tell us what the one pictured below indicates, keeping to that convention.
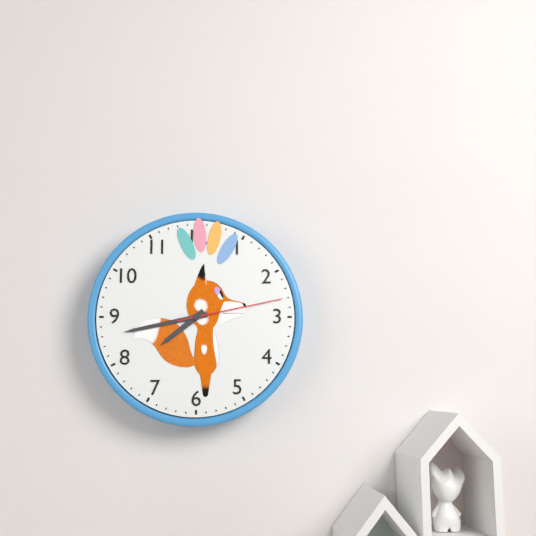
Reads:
7,43,13
